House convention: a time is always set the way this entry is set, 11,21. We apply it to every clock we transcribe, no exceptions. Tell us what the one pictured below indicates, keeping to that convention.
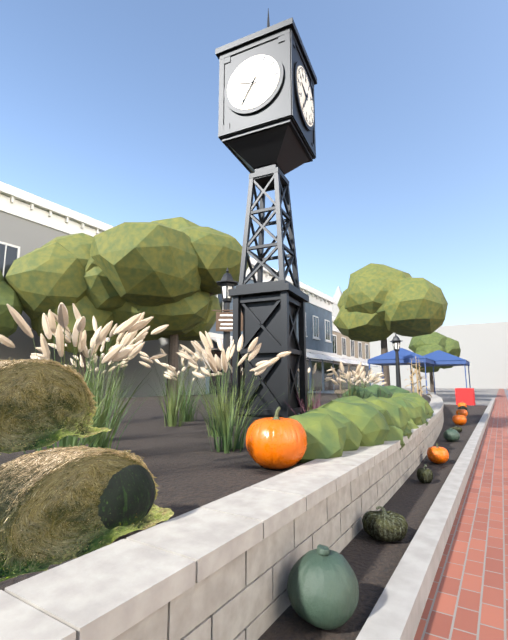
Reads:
9,35
